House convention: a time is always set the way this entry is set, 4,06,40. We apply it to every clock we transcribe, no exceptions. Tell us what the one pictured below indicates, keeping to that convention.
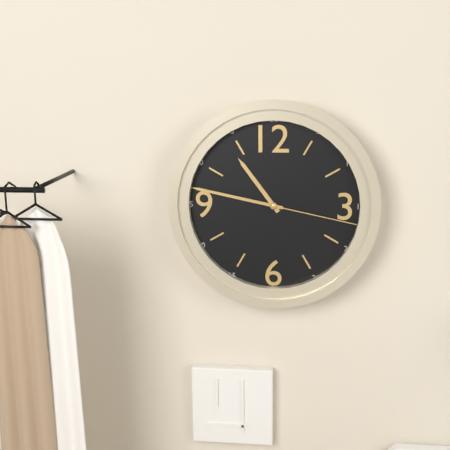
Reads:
10,47,17
